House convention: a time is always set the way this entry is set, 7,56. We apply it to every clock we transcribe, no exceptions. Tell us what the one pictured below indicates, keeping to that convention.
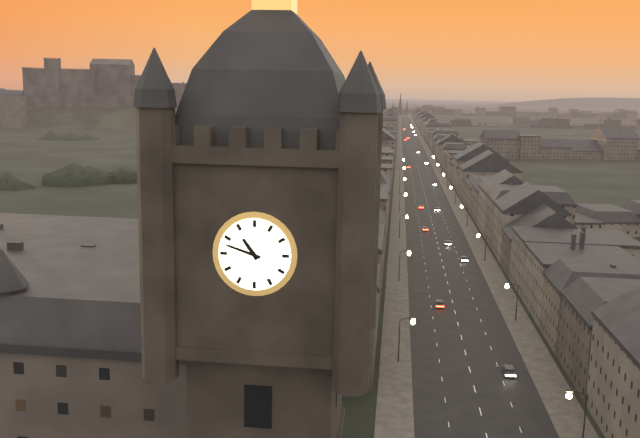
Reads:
10,48
